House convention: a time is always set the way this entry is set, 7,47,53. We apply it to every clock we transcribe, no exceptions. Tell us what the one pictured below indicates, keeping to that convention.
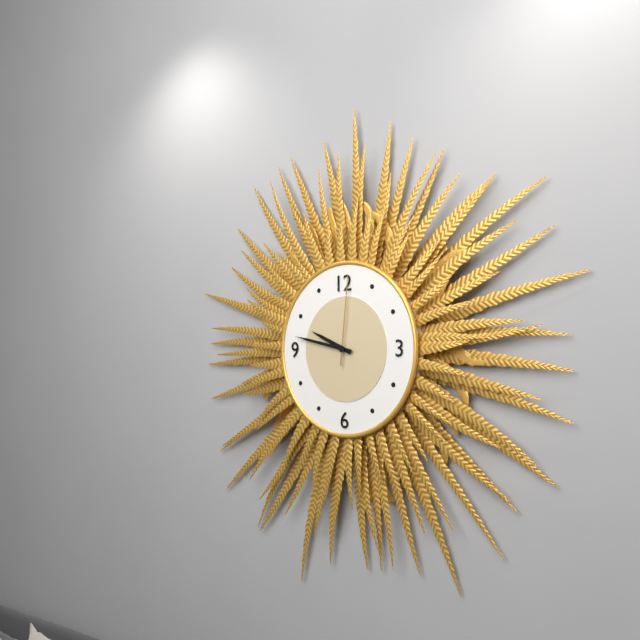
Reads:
9,47,01
